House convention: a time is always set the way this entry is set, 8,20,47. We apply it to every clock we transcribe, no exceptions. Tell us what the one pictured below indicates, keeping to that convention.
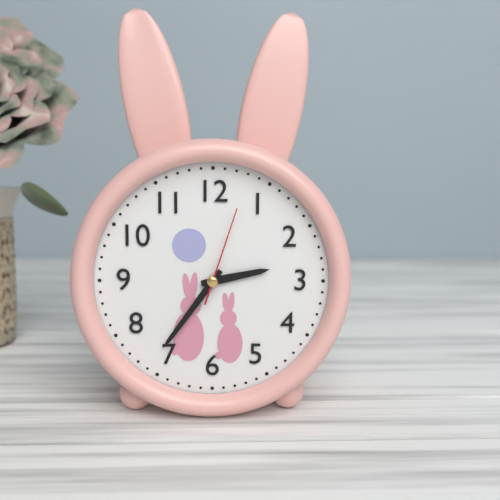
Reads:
2,36,03
